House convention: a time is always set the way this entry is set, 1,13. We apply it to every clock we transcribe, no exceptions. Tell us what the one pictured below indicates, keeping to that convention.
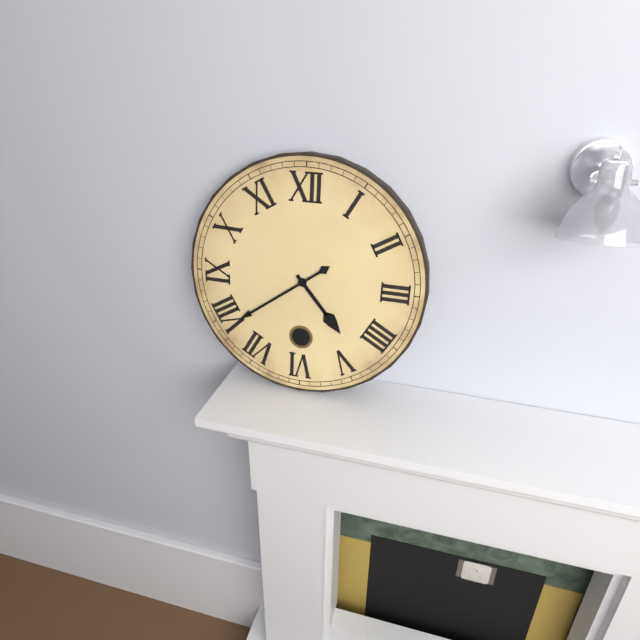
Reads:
4,39
